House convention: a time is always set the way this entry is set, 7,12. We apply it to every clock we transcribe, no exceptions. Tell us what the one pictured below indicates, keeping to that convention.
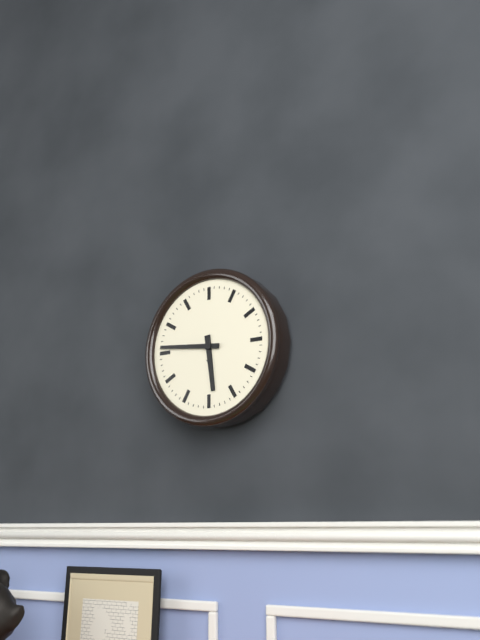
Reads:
5,46
